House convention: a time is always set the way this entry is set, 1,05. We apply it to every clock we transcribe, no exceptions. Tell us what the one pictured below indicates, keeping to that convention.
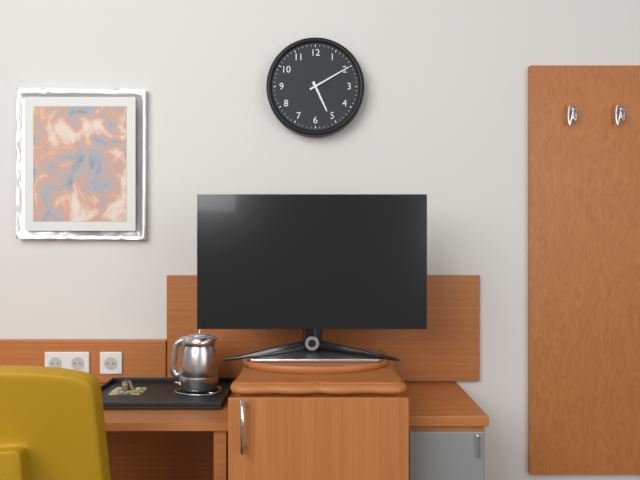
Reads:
5,10
